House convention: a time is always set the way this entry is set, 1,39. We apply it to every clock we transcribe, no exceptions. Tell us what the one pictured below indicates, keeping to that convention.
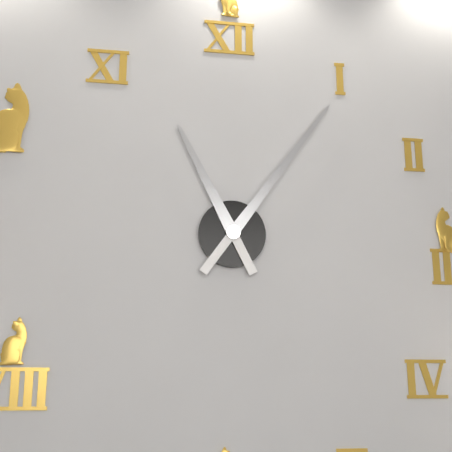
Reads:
11,06
